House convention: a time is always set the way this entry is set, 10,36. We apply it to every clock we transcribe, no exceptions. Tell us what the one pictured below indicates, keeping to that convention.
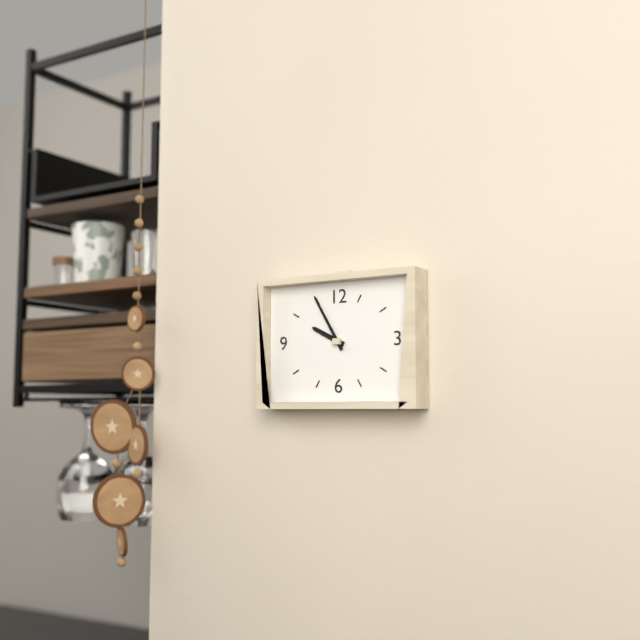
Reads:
9,55
